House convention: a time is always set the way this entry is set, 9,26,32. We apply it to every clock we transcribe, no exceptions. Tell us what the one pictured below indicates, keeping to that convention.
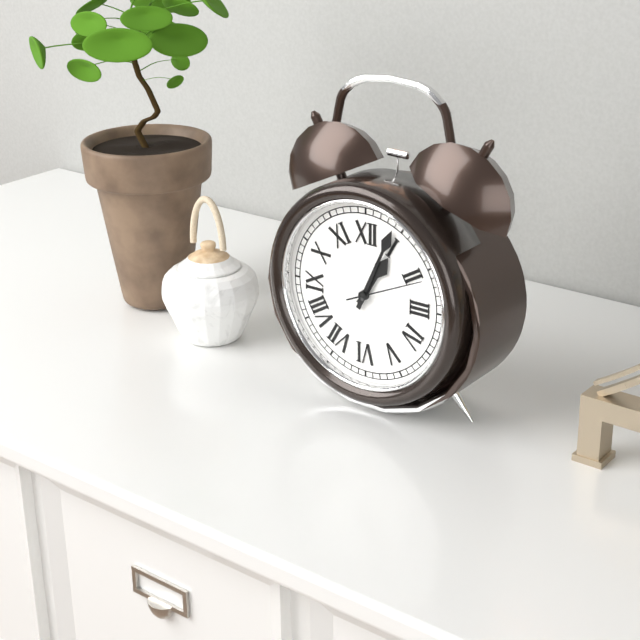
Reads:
1,04,11
